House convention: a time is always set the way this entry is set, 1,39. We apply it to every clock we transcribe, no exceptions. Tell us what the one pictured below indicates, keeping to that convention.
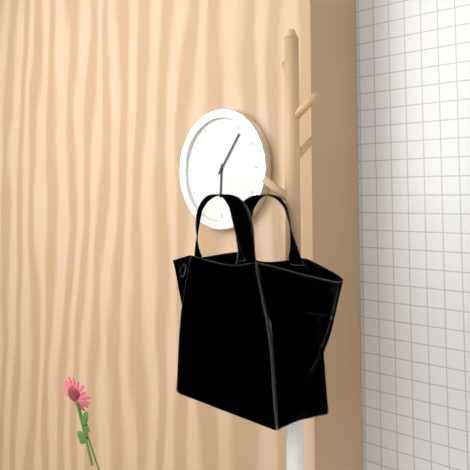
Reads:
6,06
